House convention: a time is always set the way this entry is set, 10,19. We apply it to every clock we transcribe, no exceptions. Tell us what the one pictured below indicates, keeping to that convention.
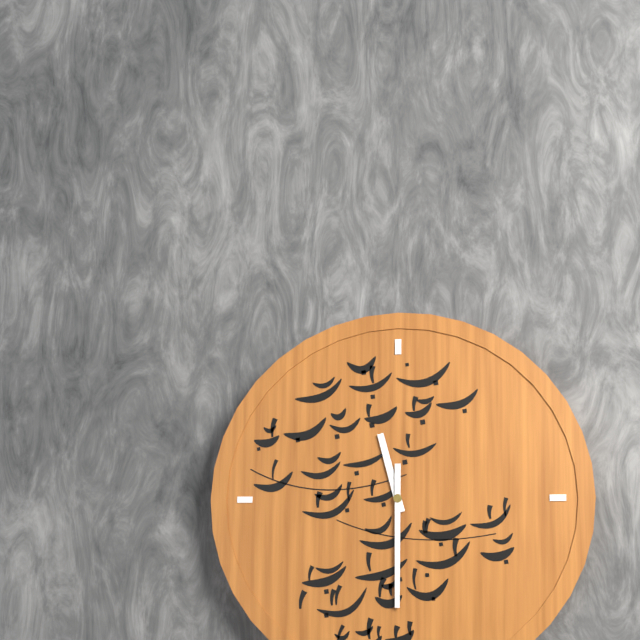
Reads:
11,30
